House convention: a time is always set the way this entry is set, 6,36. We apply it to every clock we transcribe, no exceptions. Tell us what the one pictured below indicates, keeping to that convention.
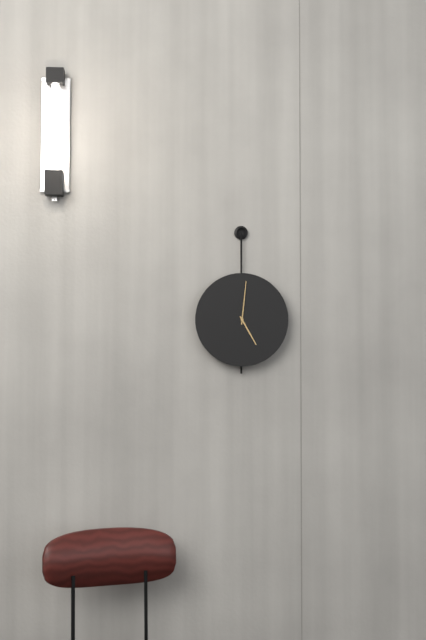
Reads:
5,01
